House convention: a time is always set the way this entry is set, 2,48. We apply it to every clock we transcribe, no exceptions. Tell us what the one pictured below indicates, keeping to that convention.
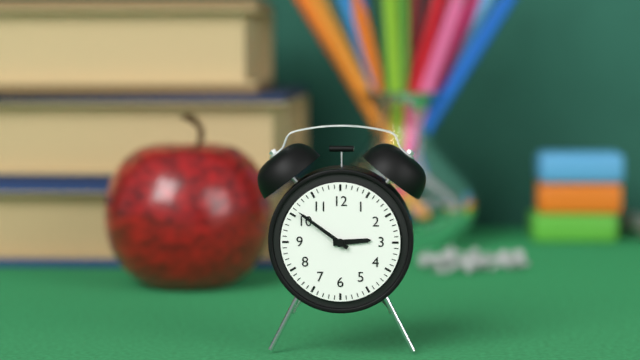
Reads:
2,51
